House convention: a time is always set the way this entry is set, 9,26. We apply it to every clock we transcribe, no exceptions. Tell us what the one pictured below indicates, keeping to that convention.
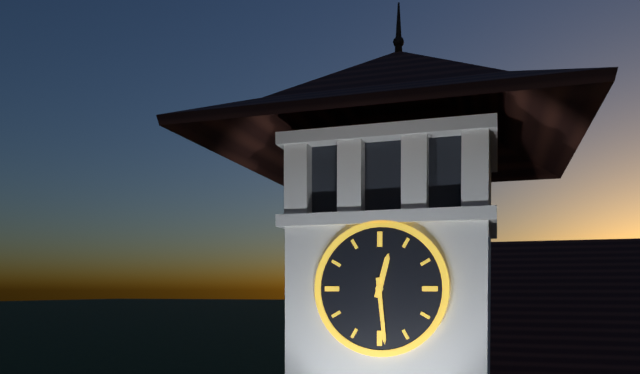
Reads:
12,29
